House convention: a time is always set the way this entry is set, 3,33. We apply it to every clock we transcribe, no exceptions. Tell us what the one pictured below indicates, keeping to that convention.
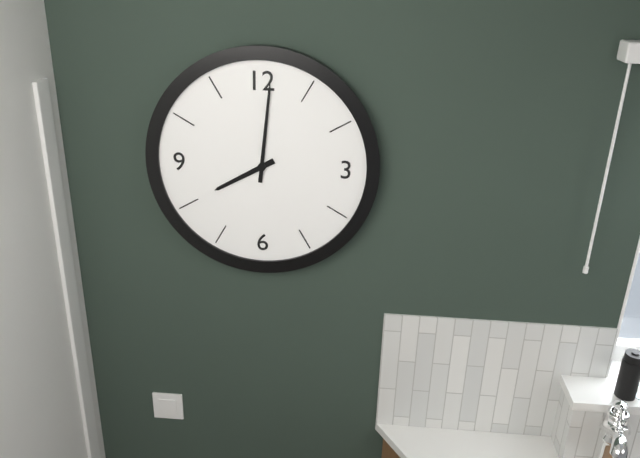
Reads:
8,01
